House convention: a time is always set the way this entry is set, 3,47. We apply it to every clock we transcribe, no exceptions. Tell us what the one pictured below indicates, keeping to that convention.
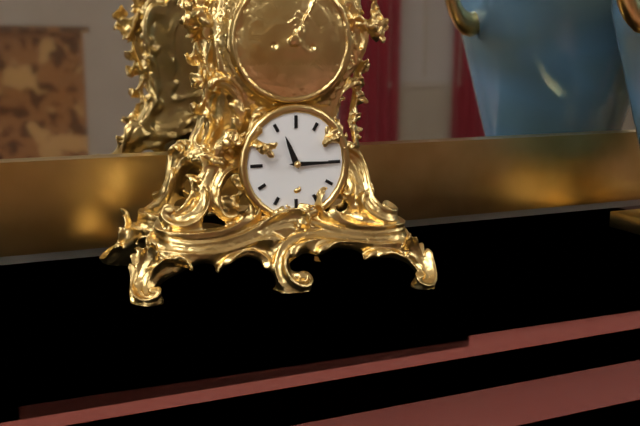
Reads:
11,15
